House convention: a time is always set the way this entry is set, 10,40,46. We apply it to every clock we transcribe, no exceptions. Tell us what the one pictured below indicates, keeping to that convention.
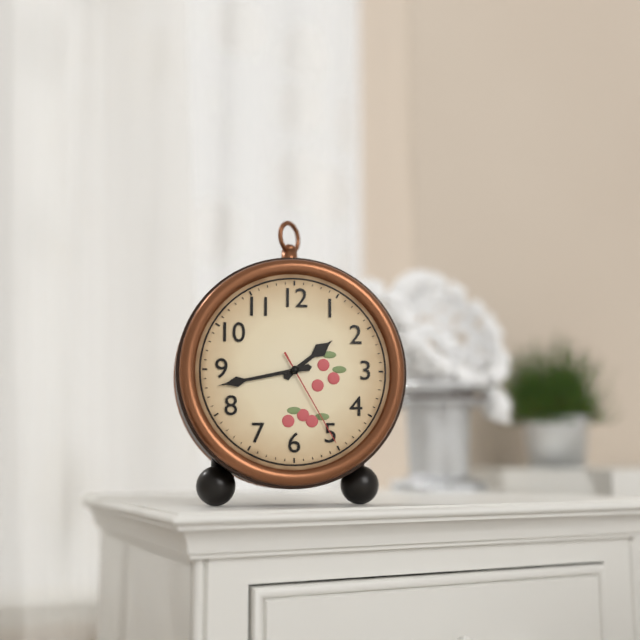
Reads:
1,43,25
